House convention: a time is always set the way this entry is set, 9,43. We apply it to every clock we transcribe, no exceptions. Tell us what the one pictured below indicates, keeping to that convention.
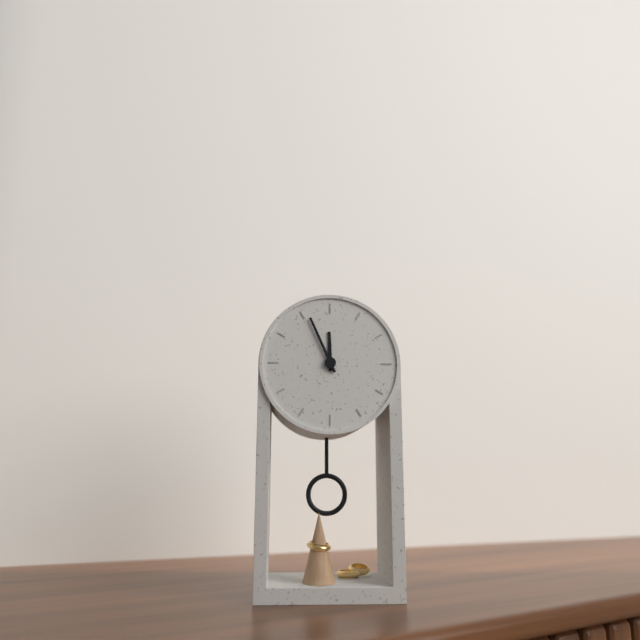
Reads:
11,56
